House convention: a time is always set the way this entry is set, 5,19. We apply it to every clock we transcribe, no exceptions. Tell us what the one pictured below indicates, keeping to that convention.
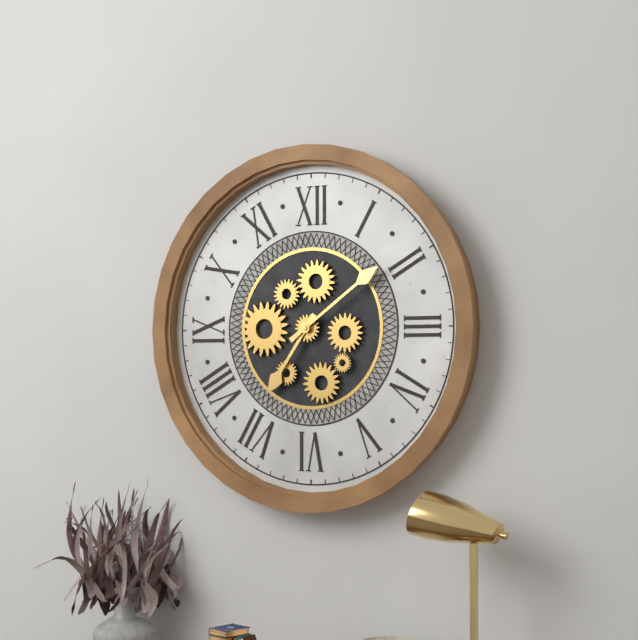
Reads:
7,09
